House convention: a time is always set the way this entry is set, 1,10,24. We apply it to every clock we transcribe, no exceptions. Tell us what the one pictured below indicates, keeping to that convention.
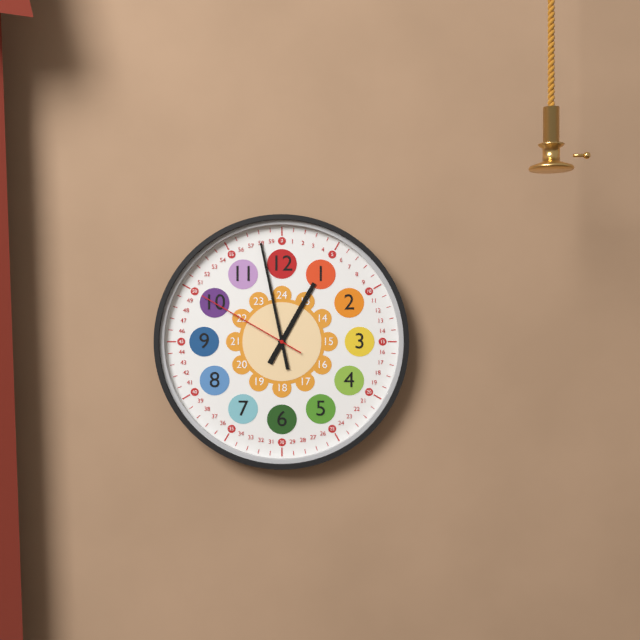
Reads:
12,58,50
